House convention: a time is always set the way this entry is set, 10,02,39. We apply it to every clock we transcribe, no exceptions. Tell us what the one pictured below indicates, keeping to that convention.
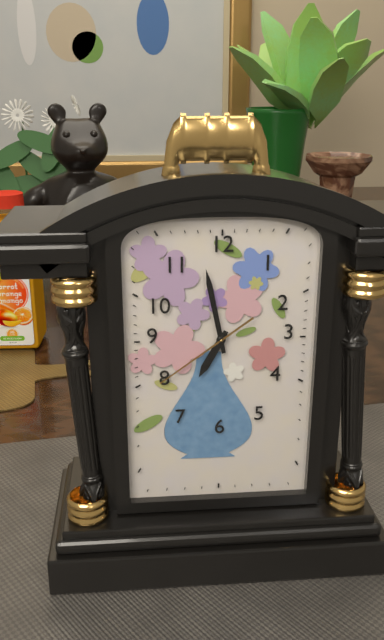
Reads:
6,58,39
